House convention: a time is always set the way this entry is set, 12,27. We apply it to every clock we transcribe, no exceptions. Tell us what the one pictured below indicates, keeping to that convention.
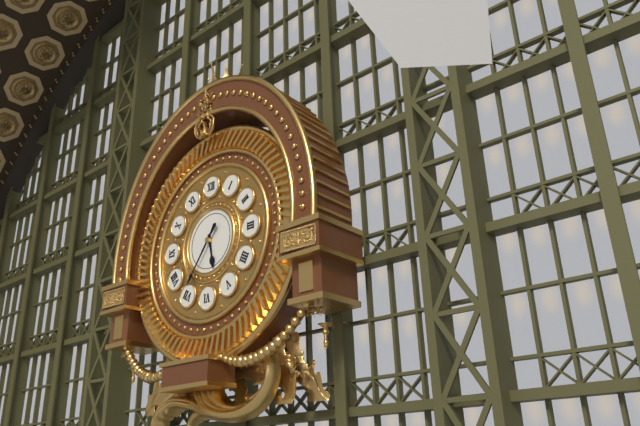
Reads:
5,36
